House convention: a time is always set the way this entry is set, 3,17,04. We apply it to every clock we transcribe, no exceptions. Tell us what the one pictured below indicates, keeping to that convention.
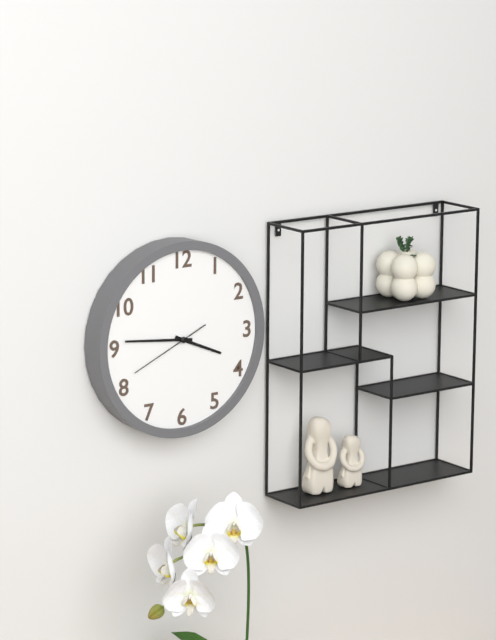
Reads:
3,46,41
